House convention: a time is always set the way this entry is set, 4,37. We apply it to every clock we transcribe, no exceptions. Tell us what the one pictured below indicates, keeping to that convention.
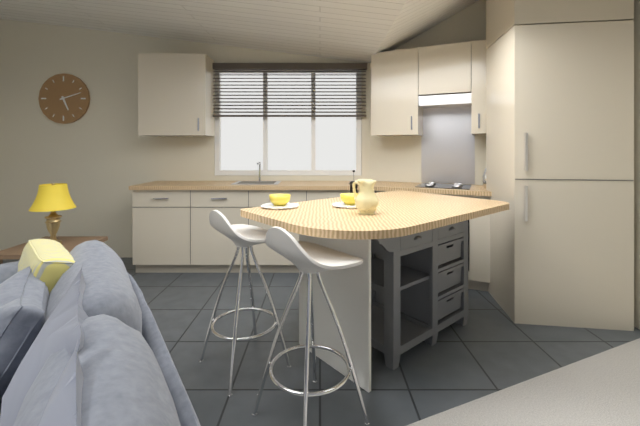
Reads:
5,12
